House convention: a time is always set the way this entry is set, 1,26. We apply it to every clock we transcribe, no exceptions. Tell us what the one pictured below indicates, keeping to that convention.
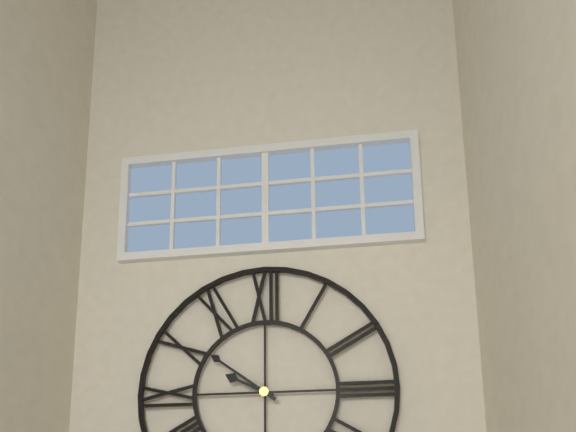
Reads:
9,51
